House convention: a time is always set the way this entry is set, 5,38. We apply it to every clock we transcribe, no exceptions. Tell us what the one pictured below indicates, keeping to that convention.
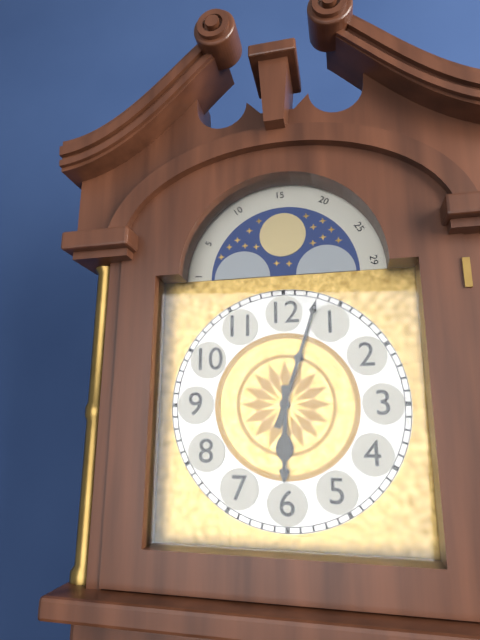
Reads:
6,03
